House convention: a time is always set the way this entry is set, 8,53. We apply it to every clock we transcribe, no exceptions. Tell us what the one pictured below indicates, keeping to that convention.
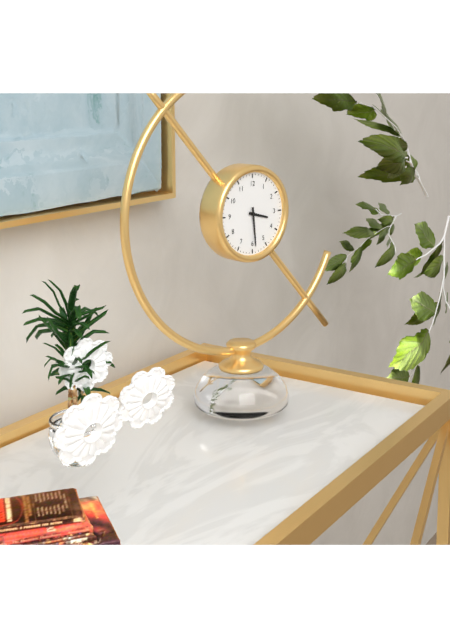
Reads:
3,29
